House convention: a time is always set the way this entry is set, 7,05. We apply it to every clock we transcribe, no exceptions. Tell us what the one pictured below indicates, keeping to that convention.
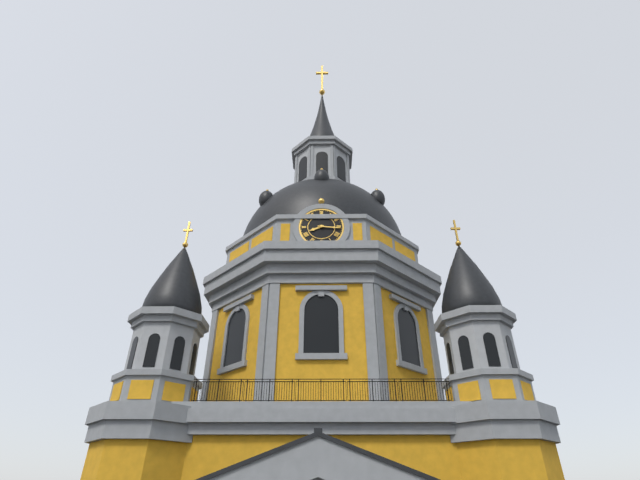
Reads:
8,16
